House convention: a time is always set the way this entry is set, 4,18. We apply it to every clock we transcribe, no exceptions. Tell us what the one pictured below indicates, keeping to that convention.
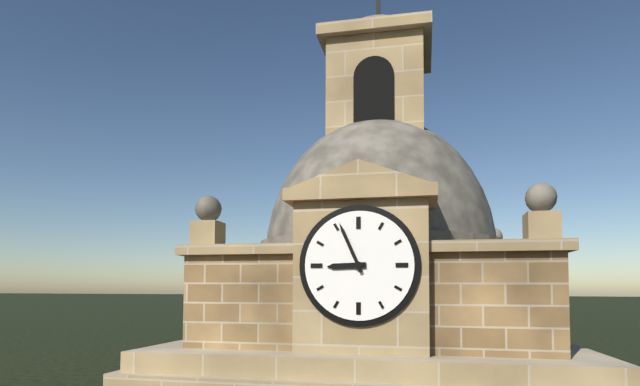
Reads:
8,56
